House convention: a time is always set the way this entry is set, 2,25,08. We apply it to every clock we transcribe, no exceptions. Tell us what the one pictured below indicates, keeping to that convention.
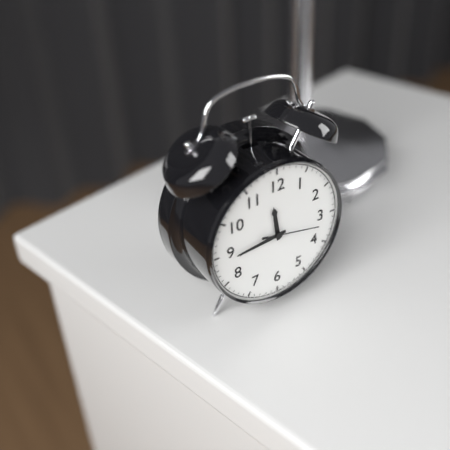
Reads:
11,44,17
